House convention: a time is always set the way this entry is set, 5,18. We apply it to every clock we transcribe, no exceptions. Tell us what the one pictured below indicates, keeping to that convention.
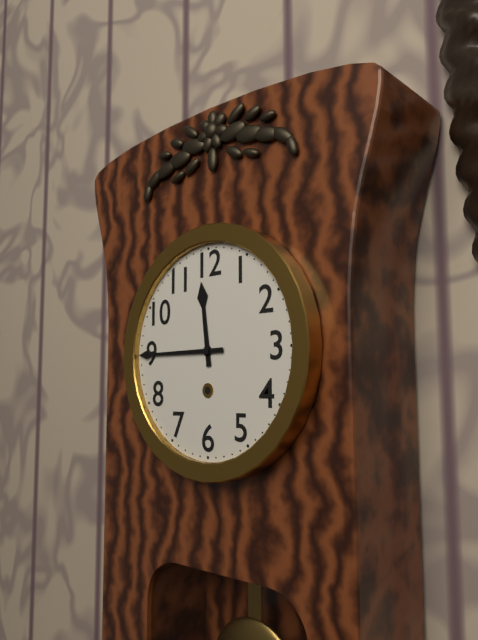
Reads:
11,45
